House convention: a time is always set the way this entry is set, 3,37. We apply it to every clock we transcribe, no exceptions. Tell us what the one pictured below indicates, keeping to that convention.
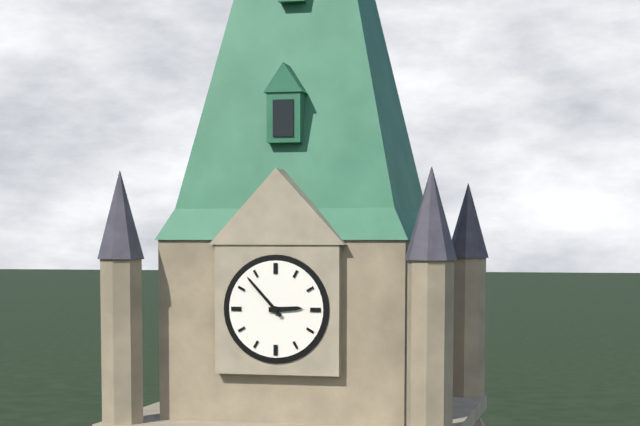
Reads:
2,53
